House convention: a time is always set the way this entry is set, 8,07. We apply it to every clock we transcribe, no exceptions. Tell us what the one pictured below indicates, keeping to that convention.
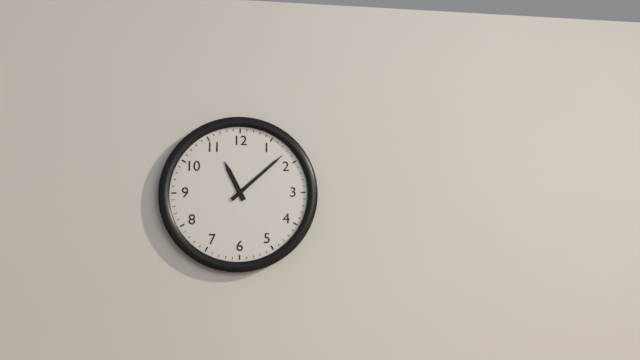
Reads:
11,08
